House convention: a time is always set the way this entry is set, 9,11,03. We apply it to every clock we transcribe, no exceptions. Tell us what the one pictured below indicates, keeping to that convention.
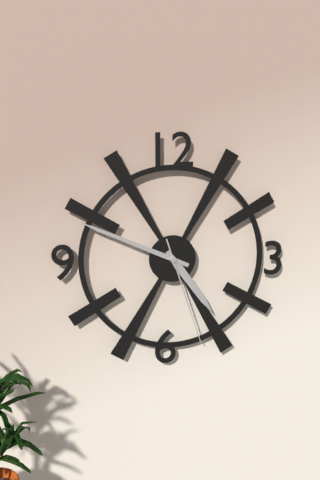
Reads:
4,49,27
